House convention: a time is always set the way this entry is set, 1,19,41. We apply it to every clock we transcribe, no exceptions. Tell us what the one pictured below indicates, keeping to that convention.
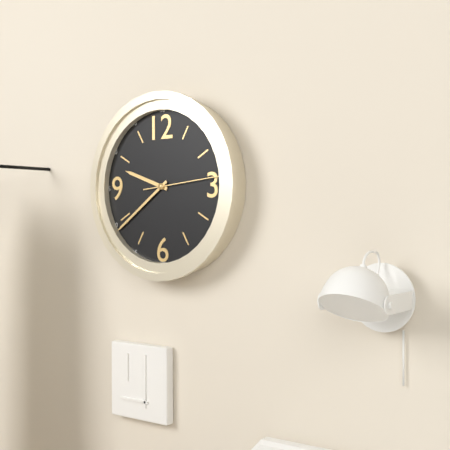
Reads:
9,39,14
